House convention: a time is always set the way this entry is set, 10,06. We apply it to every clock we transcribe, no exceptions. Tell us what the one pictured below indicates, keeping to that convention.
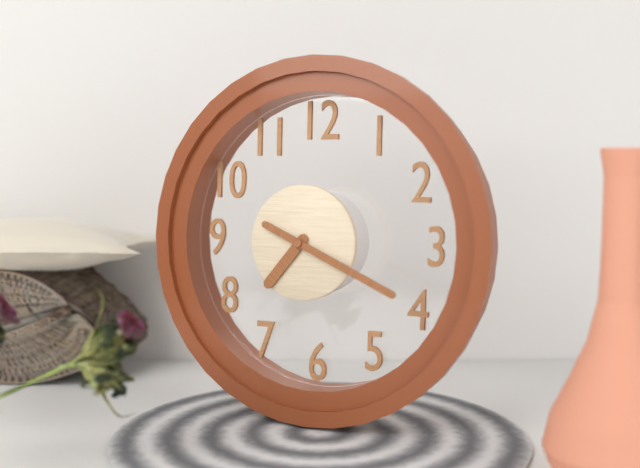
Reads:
7,19
